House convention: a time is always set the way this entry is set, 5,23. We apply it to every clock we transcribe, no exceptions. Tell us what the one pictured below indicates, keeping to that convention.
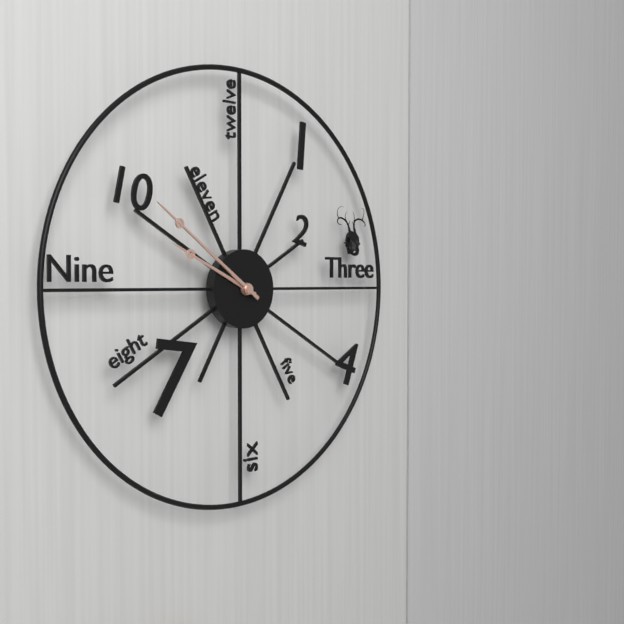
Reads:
9,51
